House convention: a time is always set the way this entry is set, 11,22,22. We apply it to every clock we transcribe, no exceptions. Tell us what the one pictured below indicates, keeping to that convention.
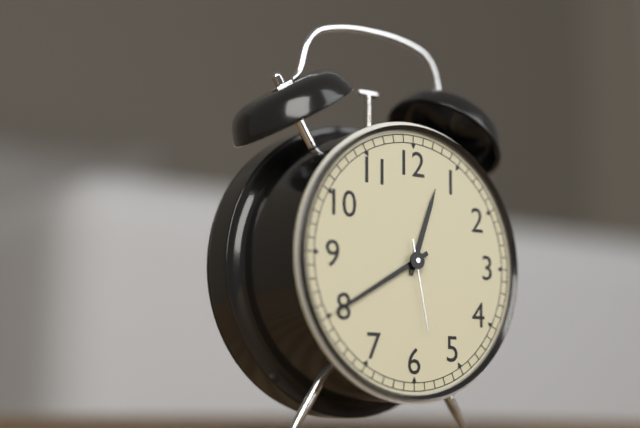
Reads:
12,40,28
